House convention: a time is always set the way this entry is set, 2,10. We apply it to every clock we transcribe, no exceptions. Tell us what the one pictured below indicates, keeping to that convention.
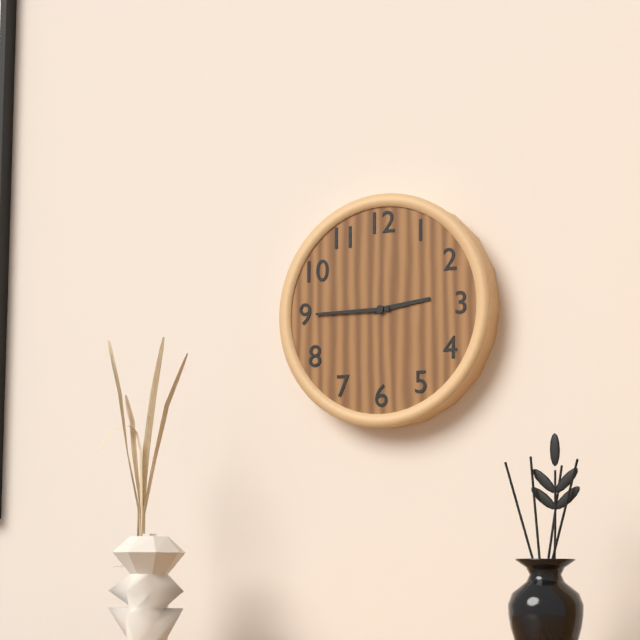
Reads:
2,45
